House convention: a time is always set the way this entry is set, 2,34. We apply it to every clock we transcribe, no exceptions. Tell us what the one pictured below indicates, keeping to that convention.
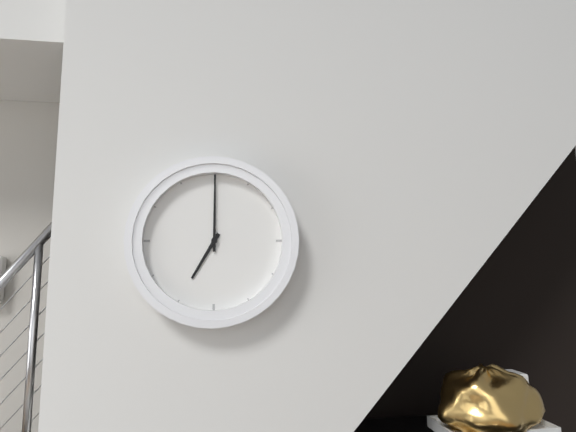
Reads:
7,00
